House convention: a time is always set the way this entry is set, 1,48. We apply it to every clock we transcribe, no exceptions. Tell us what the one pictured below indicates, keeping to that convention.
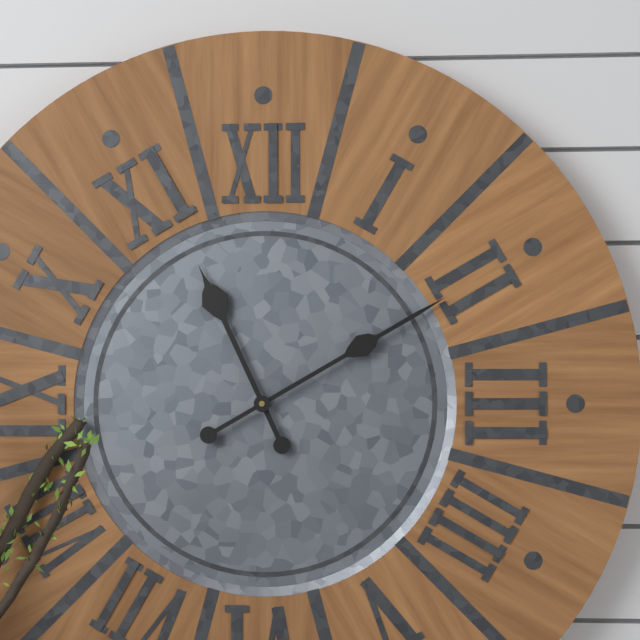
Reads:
11,10
